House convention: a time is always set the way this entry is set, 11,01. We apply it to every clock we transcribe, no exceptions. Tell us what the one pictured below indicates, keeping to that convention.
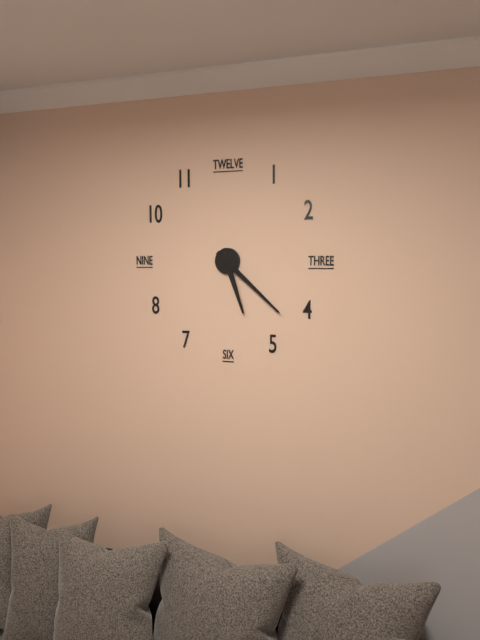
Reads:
5,22
